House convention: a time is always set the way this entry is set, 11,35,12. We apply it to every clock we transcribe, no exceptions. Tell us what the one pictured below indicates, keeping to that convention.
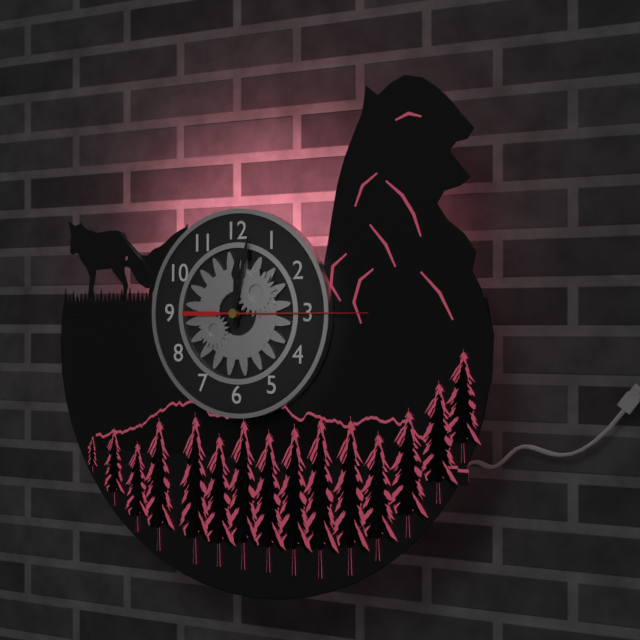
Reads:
12,02,15
